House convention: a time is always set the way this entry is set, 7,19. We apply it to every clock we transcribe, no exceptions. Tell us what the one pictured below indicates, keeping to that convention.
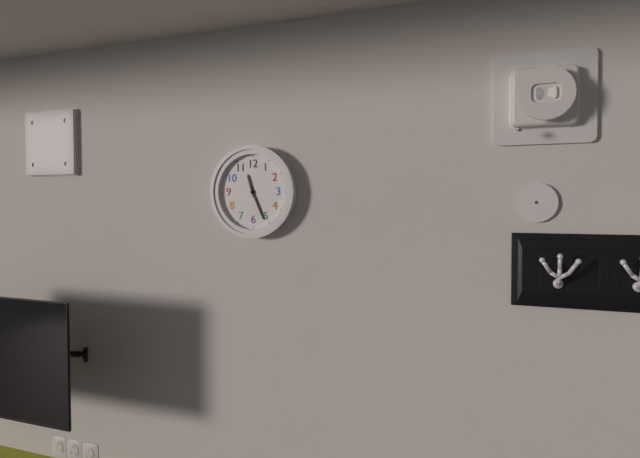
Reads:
11,26
